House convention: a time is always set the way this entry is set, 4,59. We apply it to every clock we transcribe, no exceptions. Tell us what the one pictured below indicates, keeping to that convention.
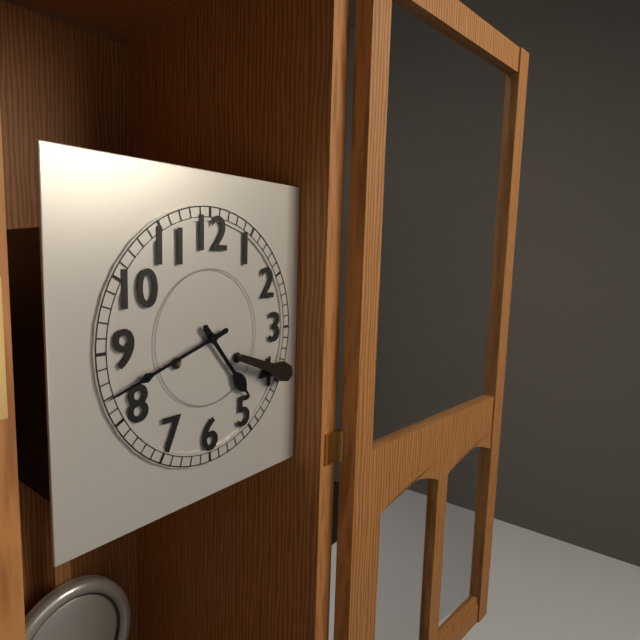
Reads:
4,42
